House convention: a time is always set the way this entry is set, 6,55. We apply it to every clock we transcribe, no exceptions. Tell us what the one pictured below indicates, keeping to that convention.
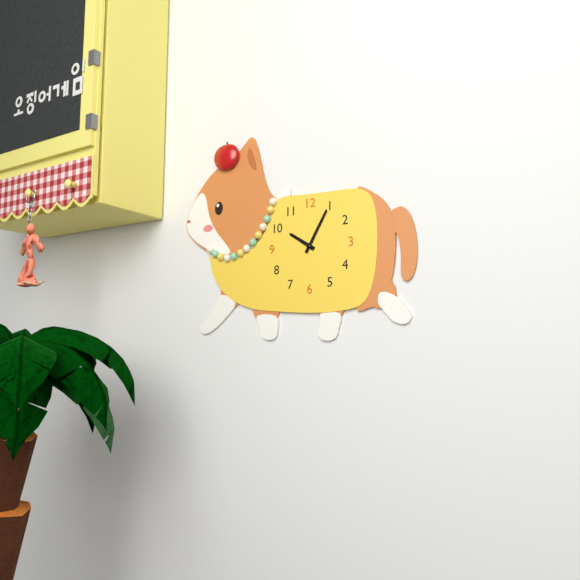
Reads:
10,05
